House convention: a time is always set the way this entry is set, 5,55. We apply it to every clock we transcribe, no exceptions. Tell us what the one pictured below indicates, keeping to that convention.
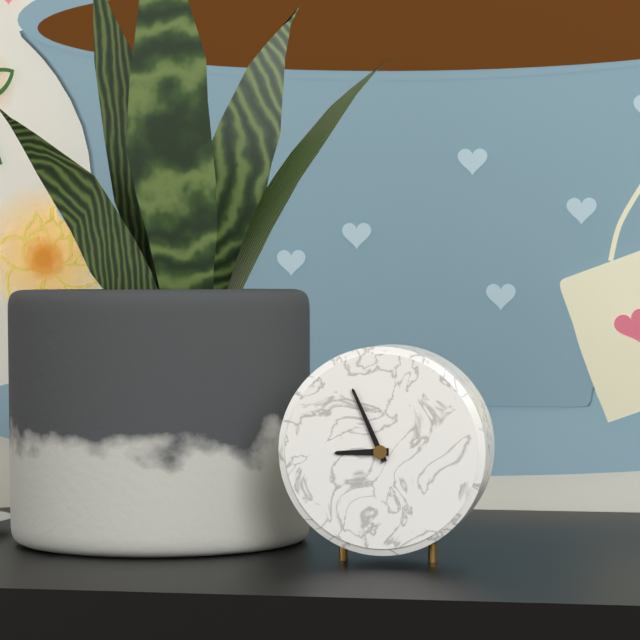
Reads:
8,56
